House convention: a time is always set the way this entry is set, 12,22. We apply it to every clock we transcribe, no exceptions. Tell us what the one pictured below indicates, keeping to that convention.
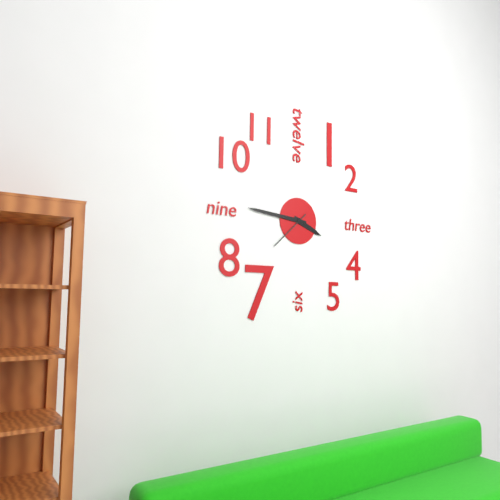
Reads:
3,46
